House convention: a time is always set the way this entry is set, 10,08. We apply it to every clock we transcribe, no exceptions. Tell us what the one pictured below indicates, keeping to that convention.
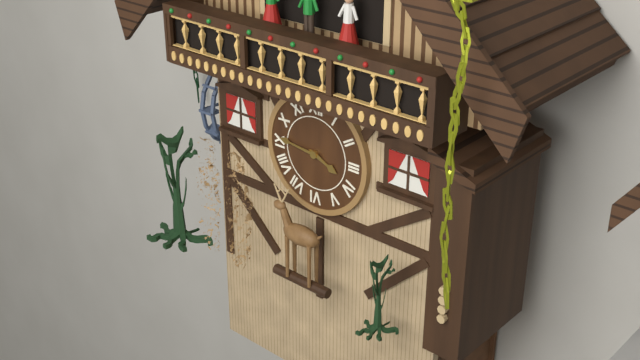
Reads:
3,46
